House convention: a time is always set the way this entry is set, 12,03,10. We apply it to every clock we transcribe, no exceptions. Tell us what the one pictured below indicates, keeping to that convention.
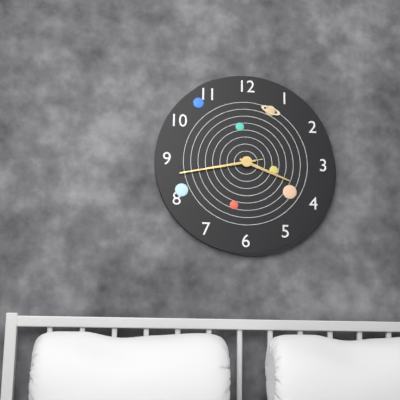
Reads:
3,43,43
